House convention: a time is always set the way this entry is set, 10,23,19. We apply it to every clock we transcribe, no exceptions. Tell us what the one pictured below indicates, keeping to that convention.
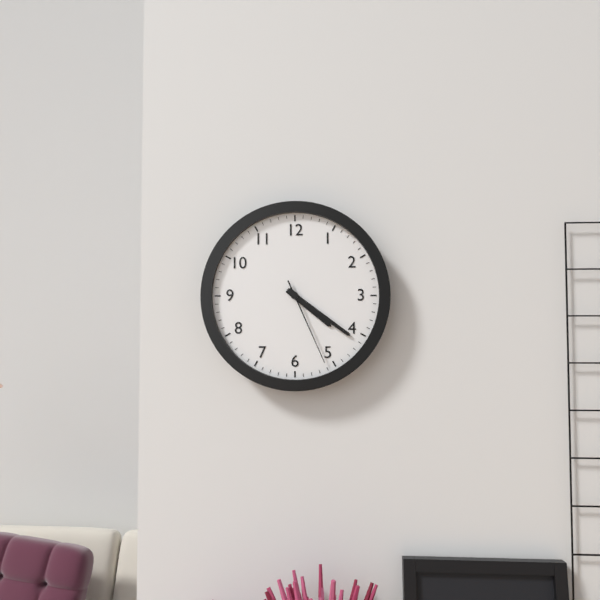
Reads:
4,21,26
